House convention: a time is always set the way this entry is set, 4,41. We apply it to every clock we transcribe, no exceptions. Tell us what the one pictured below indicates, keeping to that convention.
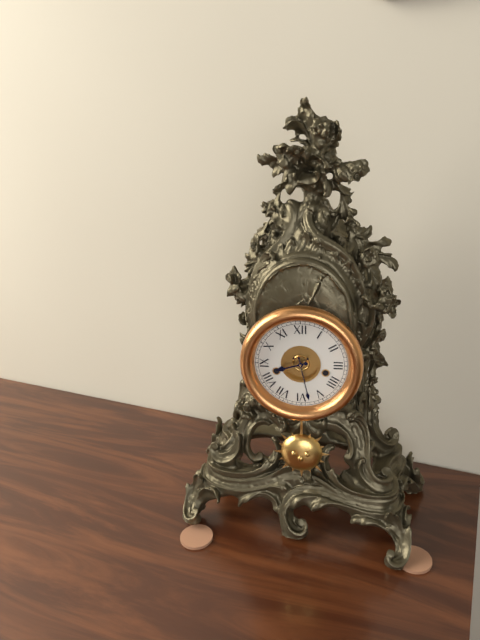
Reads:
8,28
